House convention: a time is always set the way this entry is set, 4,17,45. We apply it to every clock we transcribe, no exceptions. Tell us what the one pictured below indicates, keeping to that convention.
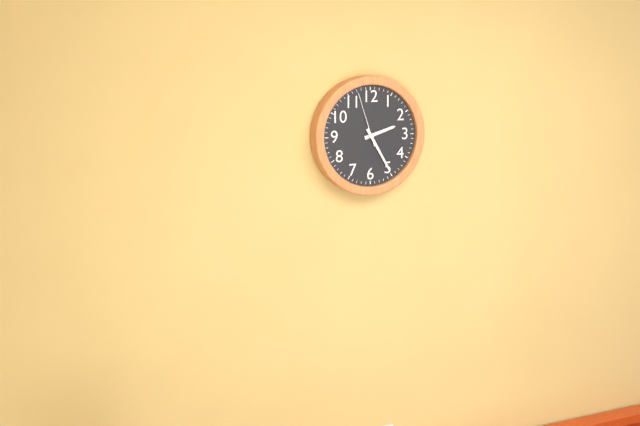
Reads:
2,25,57
